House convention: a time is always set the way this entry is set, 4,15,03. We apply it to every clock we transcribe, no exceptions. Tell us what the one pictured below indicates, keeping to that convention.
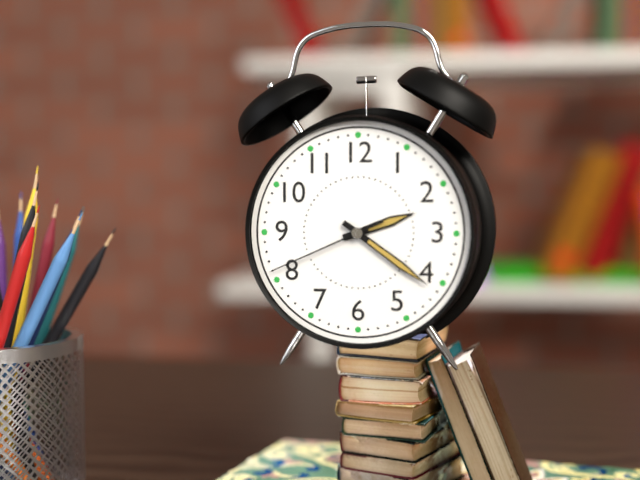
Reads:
2,21,41
